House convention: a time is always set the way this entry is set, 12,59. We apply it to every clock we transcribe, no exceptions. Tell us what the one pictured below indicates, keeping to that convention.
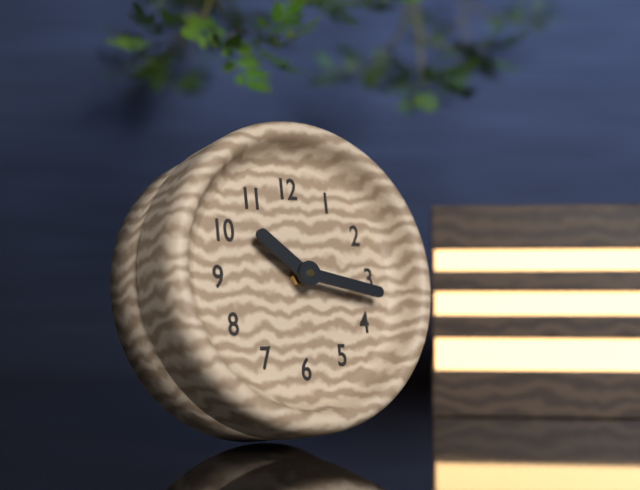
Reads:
10,17
